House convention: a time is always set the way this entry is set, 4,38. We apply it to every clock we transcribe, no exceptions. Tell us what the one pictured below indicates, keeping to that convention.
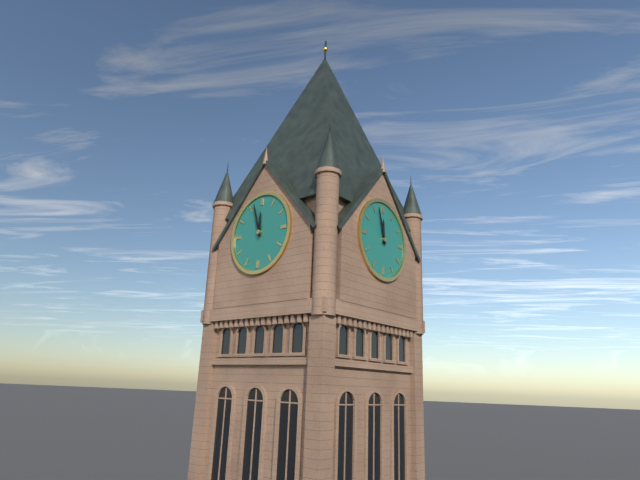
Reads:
11,57
